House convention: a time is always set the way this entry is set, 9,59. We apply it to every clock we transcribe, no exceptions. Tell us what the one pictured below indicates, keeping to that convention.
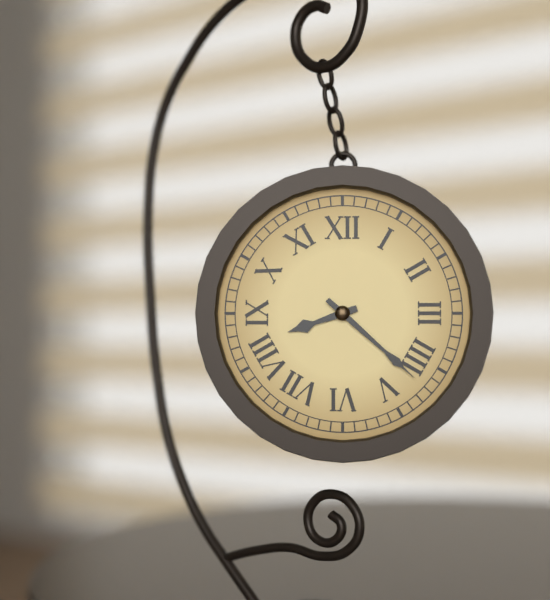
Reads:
8,22
